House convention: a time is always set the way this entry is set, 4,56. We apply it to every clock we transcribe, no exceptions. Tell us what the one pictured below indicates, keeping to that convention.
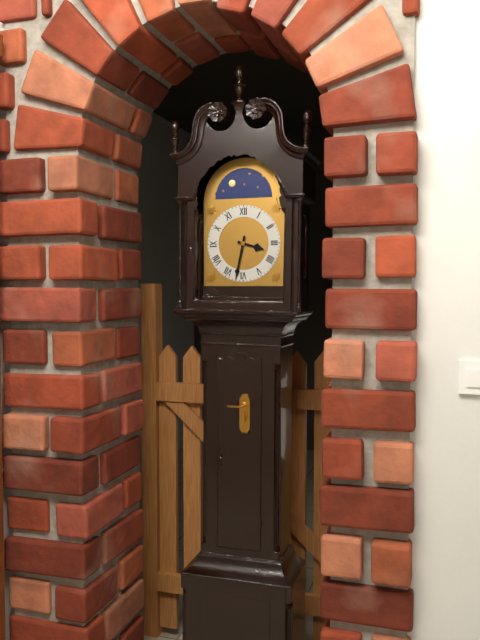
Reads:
3,32
